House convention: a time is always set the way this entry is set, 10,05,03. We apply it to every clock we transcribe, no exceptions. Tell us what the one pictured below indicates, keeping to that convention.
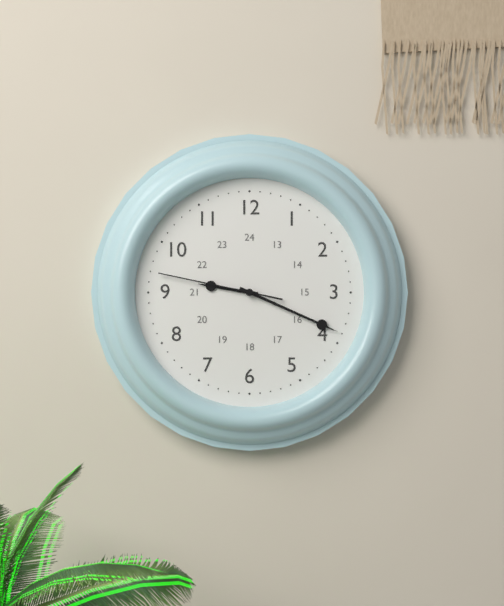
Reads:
9,19,47
